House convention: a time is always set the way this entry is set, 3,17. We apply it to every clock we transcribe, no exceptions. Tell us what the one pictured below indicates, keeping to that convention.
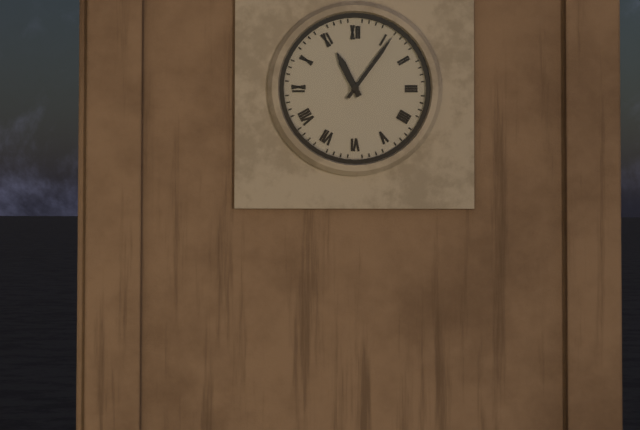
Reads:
11,06
